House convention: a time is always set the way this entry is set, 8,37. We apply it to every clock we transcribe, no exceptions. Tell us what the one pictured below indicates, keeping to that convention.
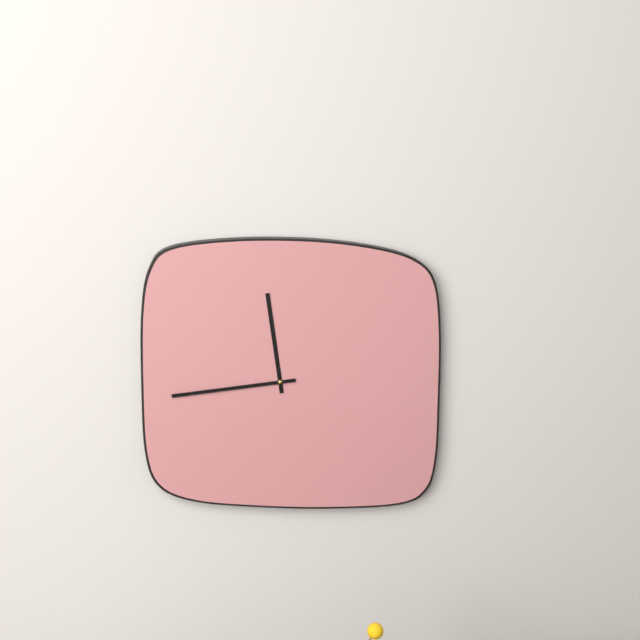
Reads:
11,44
